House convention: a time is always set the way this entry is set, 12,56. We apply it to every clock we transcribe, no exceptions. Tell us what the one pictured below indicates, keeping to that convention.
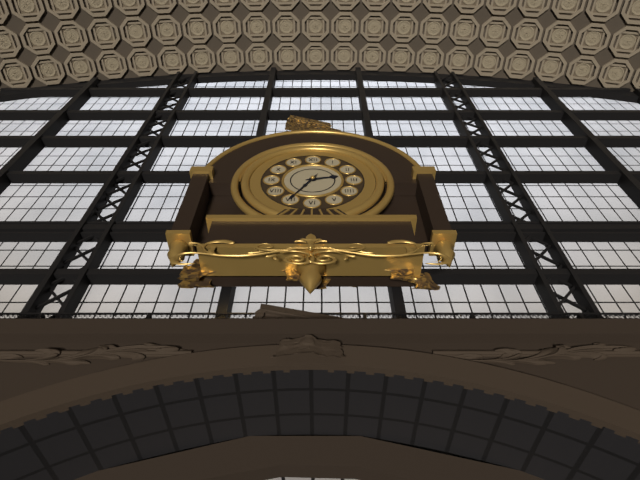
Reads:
2,35
